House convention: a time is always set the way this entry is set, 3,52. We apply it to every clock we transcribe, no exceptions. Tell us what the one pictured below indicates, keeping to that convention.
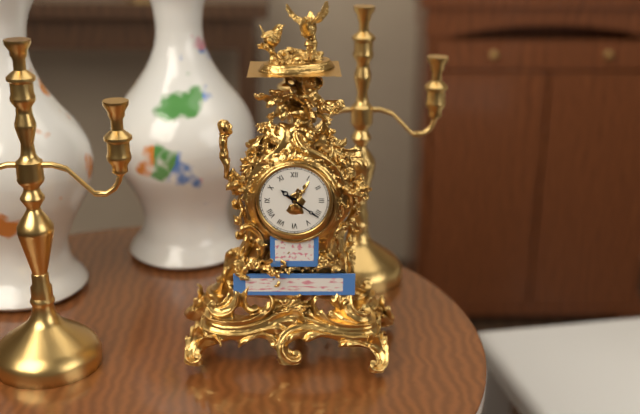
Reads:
10,21
